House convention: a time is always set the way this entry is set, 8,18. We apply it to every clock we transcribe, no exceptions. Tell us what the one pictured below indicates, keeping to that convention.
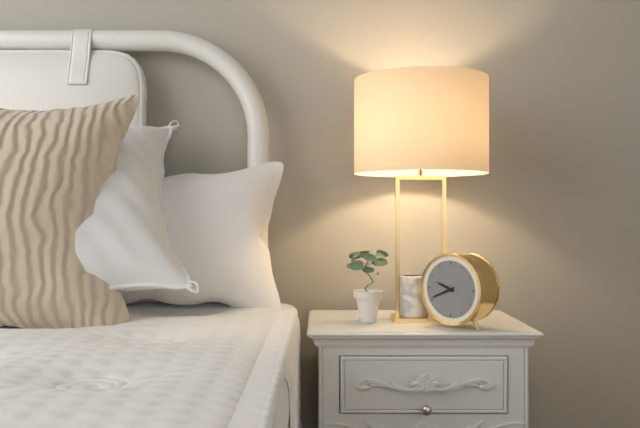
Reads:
9,41
